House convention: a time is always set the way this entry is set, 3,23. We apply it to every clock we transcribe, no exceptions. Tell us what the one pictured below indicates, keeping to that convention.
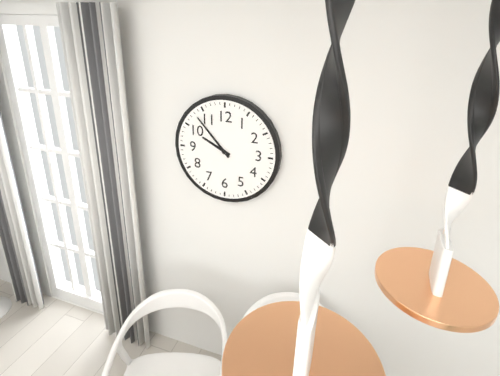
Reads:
9,53
